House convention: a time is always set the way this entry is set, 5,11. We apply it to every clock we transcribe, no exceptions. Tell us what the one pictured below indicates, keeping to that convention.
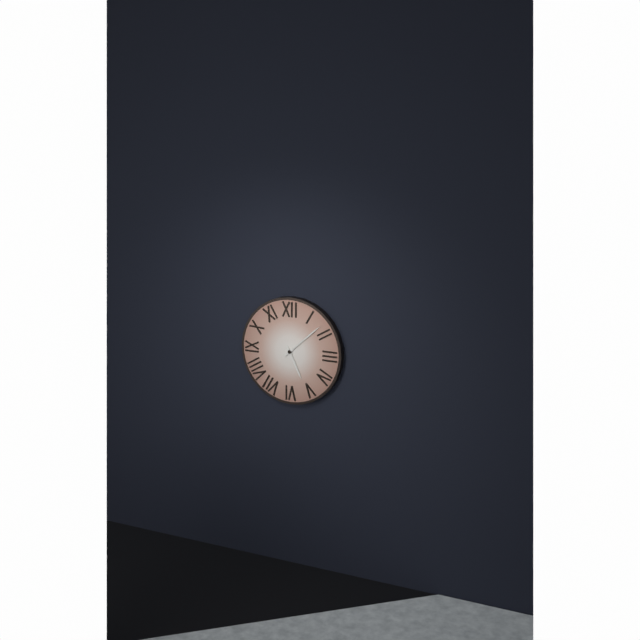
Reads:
5,08
